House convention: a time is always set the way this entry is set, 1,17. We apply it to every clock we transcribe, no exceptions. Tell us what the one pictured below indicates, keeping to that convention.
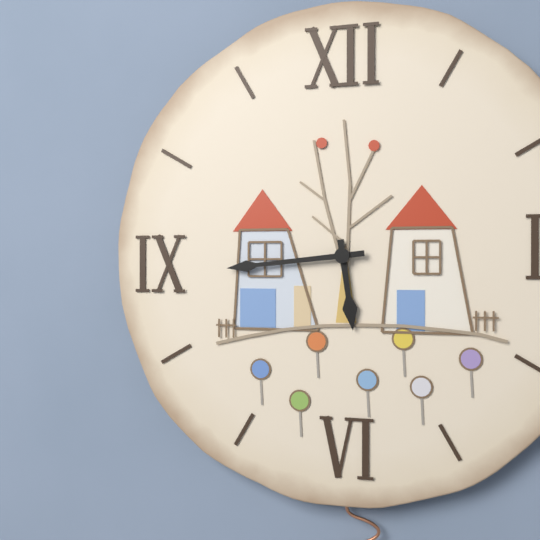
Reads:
5,44
